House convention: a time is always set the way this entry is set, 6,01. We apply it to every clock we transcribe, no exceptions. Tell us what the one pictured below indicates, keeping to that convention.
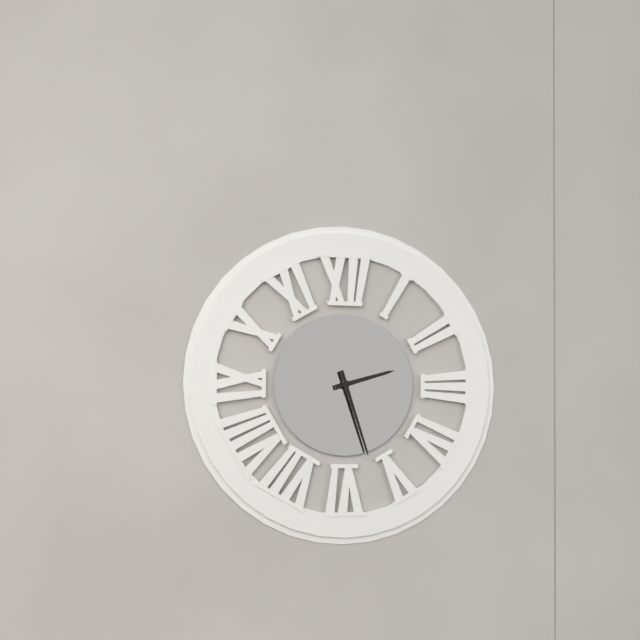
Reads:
2,27
